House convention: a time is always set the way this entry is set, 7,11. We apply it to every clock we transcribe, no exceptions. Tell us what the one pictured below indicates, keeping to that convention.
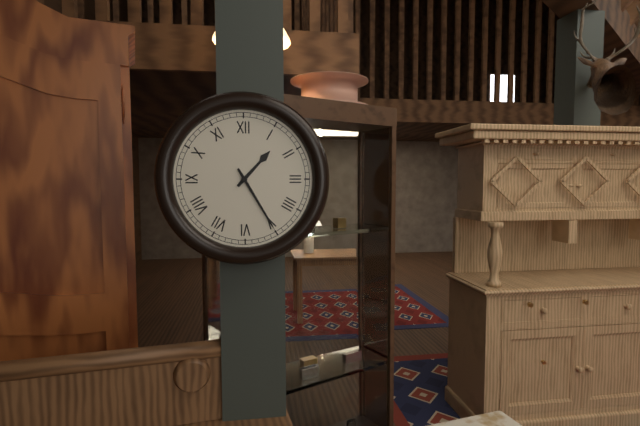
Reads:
1,25
